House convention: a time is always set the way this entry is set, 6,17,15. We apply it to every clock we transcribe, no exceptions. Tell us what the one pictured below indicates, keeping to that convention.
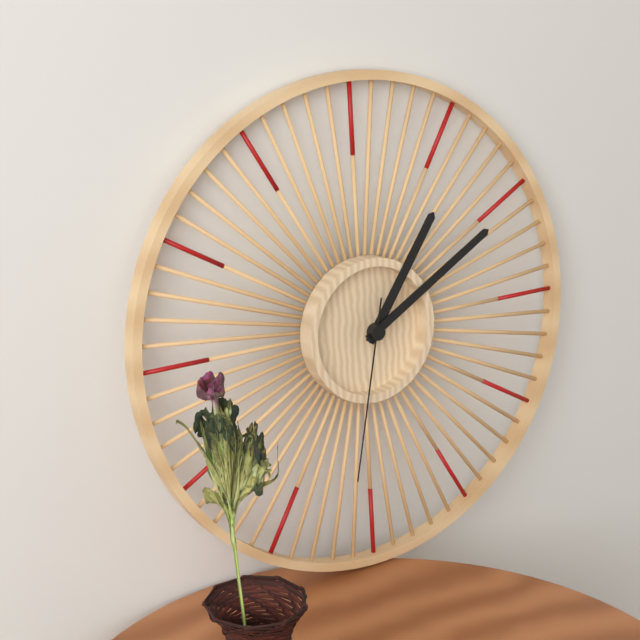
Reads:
1,10,32
